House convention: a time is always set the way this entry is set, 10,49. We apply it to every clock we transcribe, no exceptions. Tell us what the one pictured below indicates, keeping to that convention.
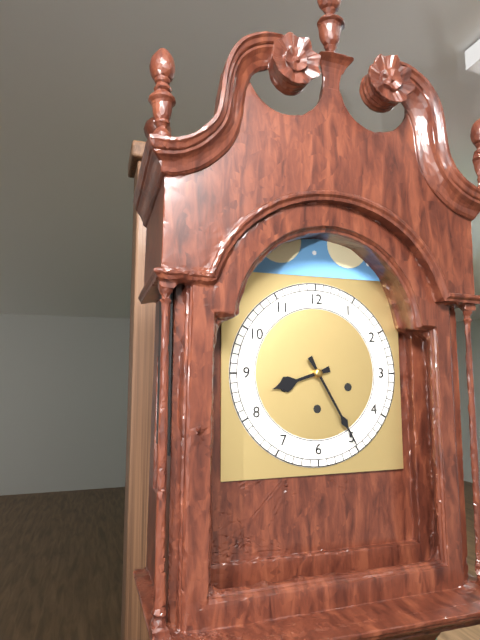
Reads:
8,25
